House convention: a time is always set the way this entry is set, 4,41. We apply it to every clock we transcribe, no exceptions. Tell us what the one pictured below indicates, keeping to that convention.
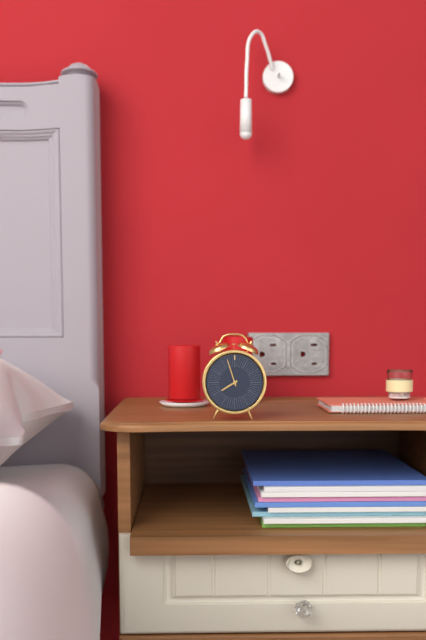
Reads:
7,57
